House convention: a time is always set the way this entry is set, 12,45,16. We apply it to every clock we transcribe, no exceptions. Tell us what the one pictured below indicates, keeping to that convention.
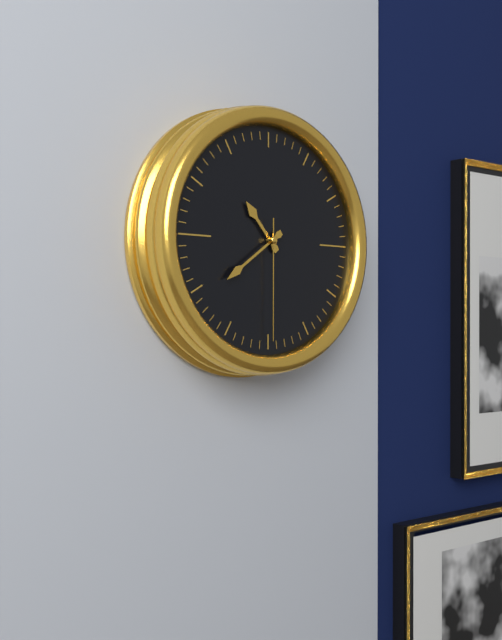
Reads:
10,39,30
